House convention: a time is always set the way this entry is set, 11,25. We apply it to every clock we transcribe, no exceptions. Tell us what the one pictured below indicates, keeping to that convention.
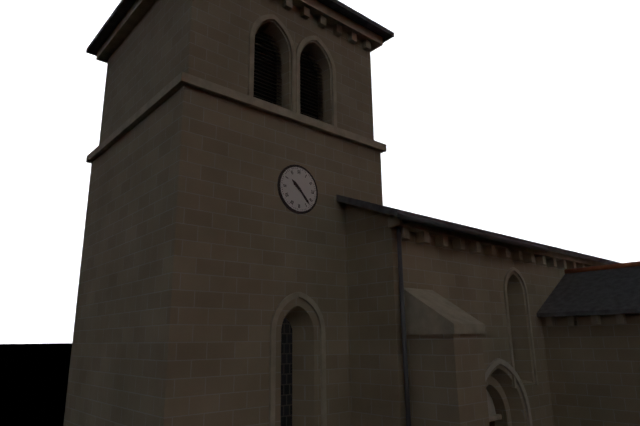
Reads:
10,23
